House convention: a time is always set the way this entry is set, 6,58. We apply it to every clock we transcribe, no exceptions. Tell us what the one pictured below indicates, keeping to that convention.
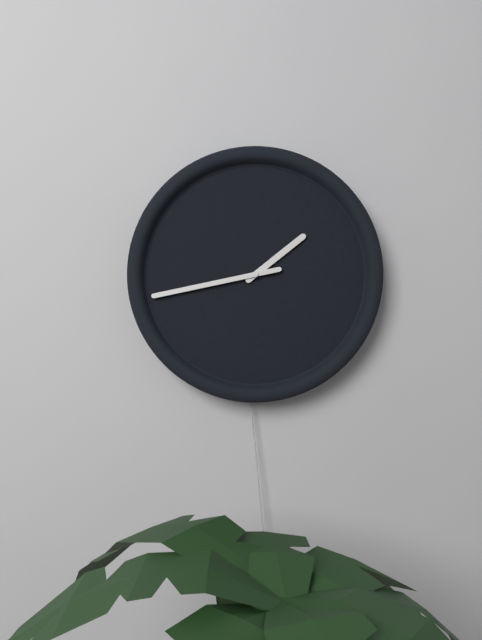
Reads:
1,43
